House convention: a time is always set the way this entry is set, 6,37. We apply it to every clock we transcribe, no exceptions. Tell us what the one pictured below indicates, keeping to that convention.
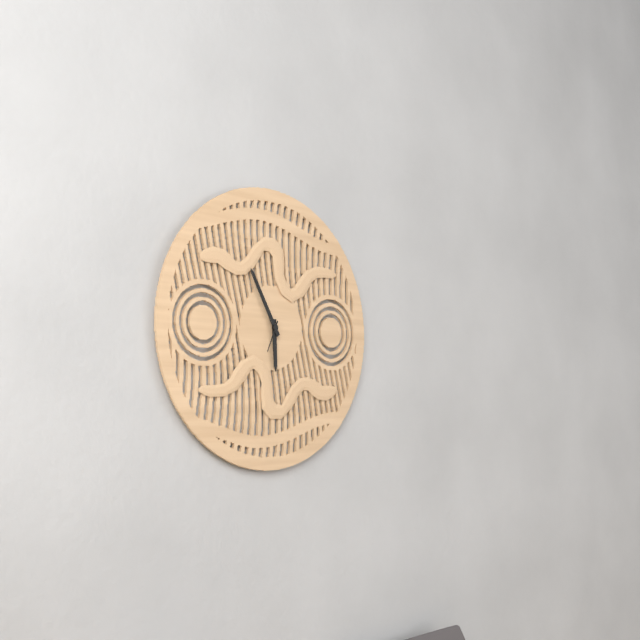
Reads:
5,55
